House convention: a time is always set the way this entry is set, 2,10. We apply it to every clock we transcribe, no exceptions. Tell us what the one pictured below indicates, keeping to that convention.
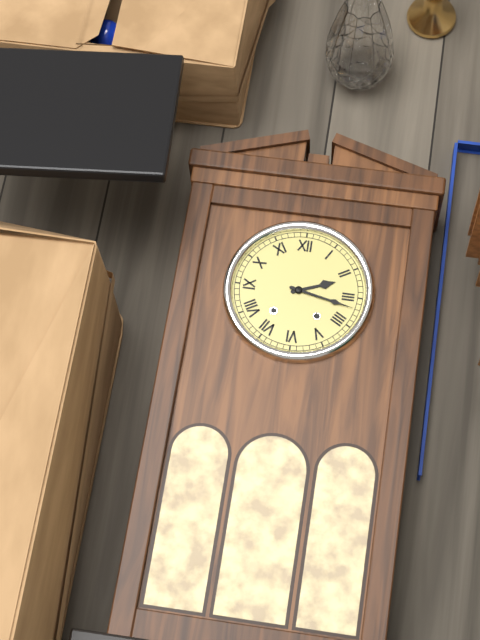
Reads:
2,17
